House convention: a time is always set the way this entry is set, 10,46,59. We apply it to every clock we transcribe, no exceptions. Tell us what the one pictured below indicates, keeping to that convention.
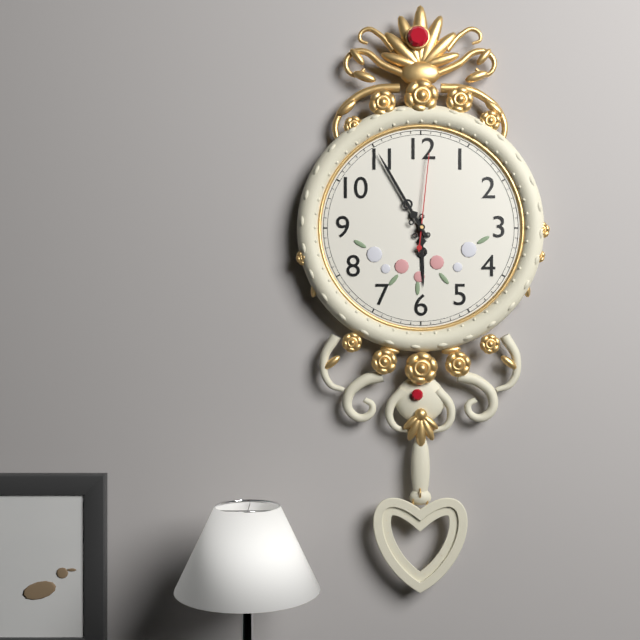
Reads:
5,55,01
